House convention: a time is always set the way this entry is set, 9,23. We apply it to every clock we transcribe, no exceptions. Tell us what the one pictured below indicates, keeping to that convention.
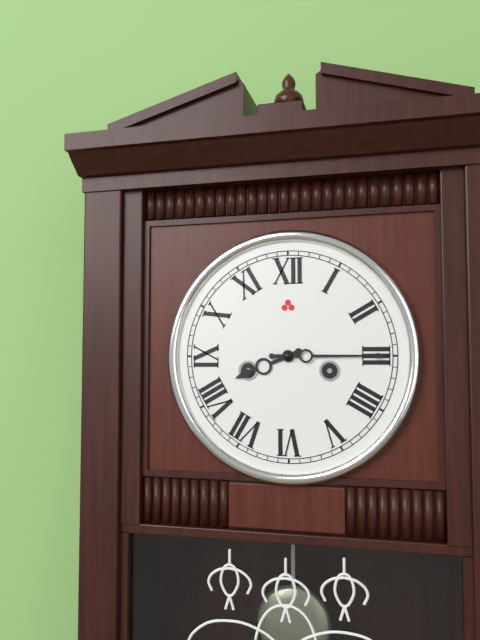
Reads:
8,15
